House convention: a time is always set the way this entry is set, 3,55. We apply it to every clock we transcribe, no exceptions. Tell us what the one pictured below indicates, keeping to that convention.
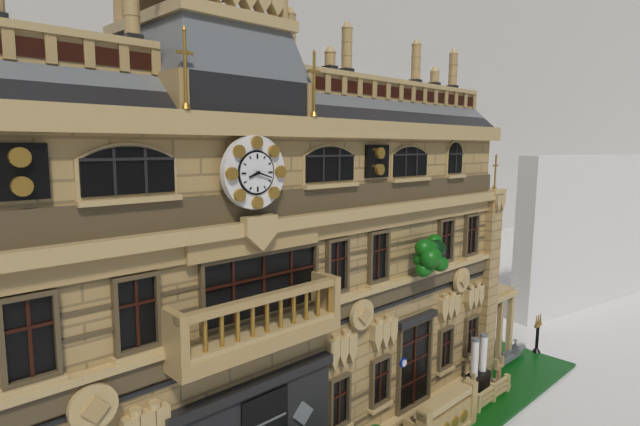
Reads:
8,18
